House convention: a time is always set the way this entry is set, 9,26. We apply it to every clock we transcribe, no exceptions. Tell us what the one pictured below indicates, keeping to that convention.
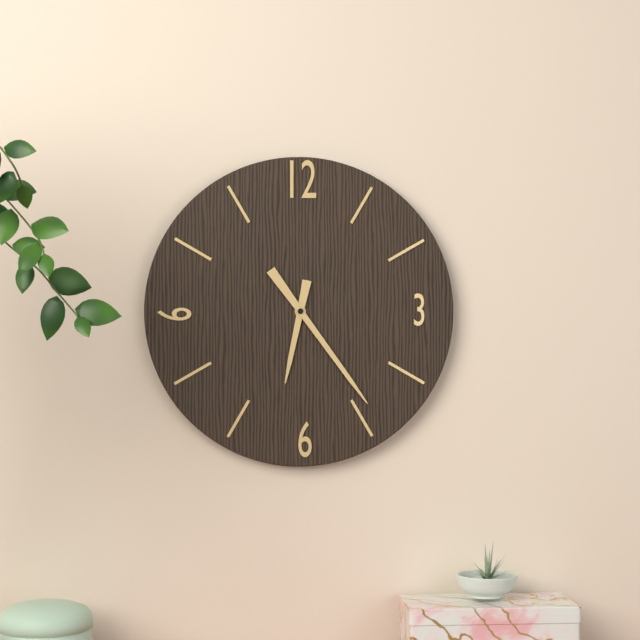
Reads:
6,24
